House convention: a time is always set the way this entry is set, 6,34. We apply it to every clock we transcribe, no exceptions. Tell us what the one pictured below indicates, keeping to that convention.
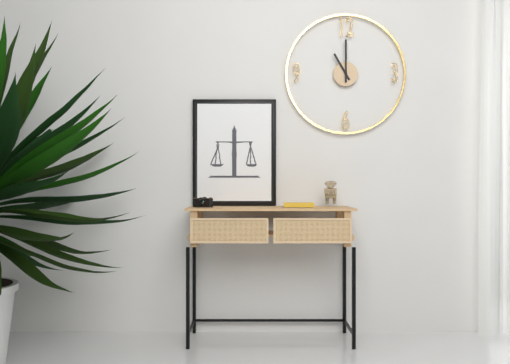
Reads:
11,00
